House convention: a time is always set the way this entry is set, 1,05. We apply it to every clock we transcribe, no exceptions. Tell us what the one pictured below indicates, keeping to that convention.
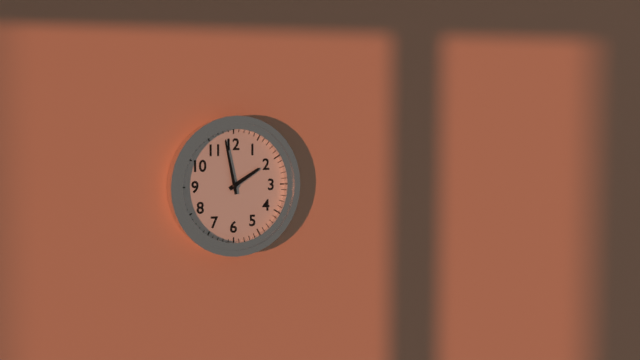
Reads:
1,58
